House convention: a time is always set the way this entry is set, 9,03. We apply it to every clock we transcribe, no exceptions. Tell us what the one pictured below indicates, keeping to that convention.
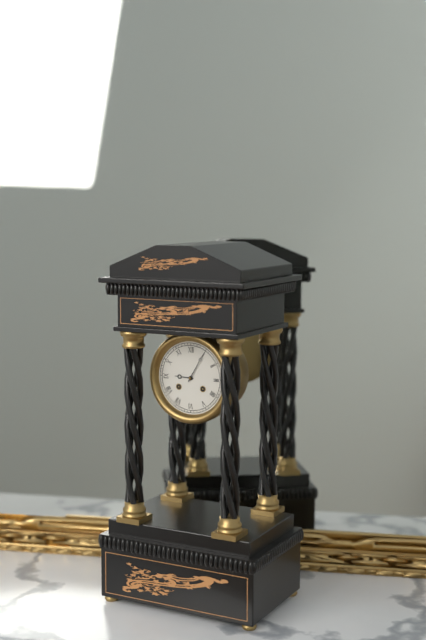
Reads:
9,05
